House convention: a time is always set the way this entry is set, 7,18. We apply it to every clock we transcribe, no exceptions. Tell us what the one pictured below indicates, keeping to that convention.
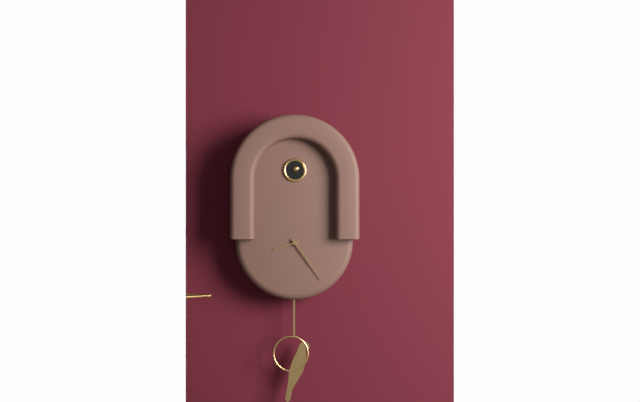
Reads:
8,24
